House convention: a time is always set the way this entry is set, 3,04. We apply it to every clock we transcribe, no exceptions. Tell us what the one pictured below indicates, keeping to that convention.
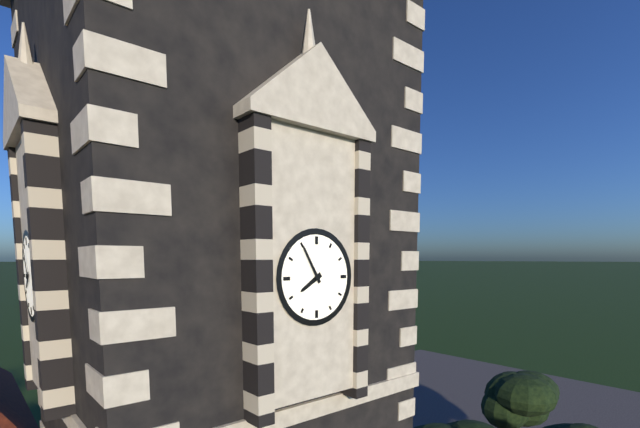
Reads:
7,55
